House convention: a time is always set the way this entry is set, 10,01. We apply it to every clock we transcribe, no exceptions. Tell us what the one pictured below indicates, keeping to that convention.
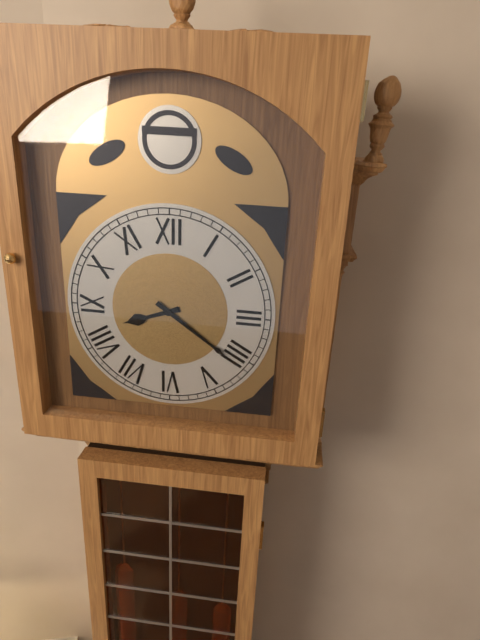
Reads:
8,21
